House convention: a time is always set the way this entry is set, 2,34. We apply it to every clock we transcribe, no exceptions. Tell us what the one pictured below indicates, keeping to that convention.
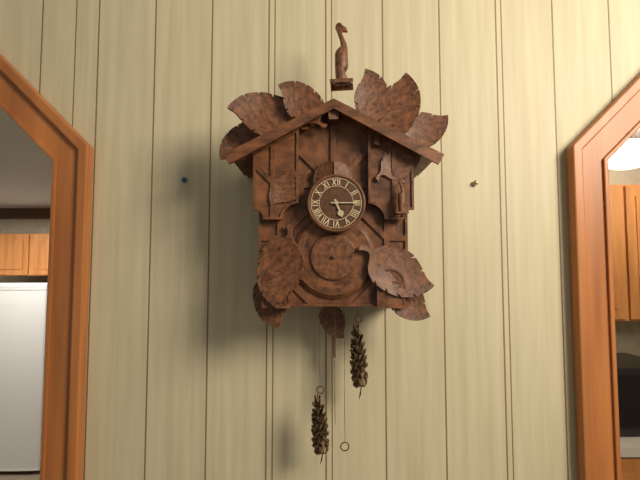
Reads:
5,15
